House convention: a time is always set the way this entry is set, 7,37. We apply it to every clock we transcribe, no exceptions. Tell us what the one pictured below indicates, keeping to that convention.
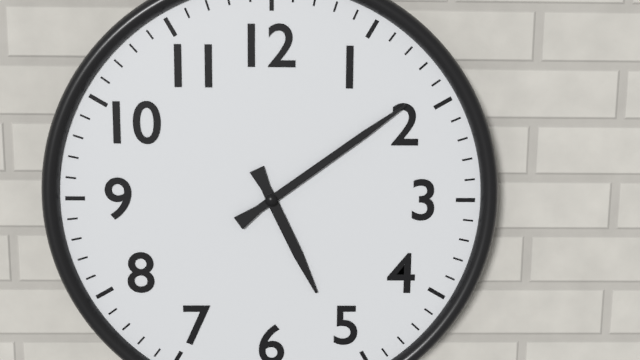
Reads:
5,09
